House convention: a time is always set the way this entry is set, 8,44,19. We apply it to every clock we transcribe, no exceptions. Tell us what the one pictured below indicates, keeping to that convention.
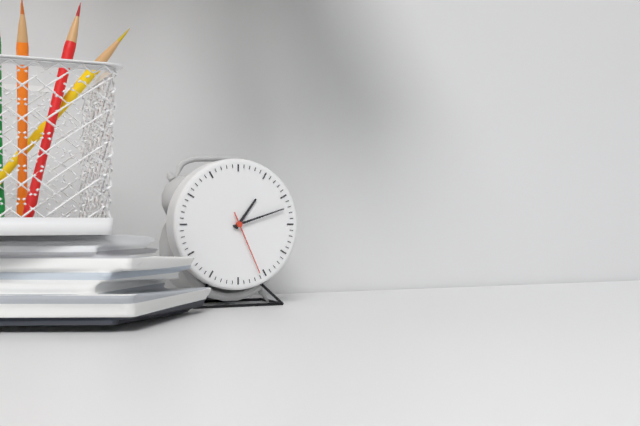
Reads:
1,12,26
